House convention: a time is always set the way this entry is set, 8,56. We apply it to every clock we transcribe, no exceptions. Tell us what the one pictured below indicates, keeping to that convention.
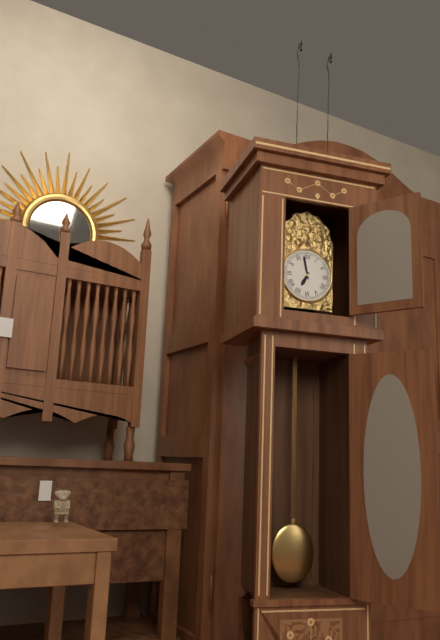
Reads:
6,58
